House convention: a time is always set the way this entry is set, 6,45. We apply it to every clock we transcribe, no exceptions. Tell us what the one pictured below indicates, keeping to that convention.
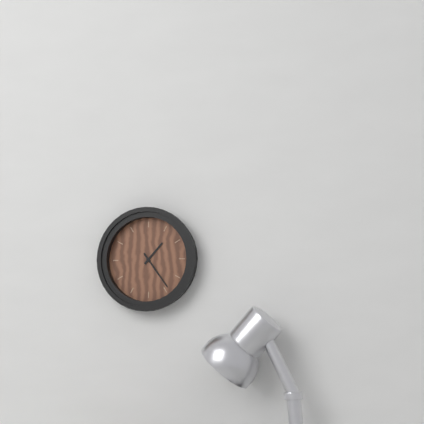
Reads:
1,24
